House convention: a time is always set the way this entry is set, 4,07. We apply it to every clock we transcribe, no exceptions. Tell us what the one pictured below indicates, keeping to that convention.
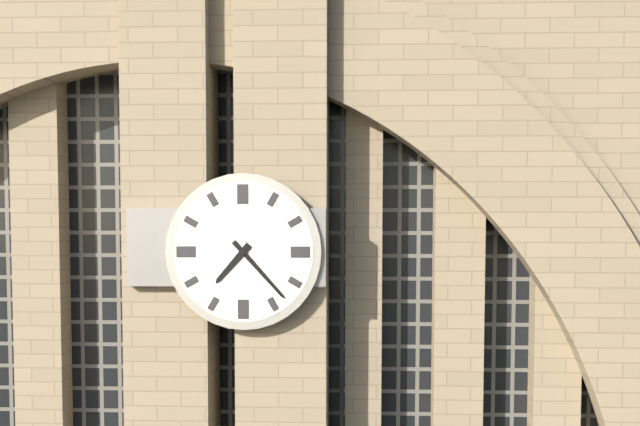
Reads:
7,23
